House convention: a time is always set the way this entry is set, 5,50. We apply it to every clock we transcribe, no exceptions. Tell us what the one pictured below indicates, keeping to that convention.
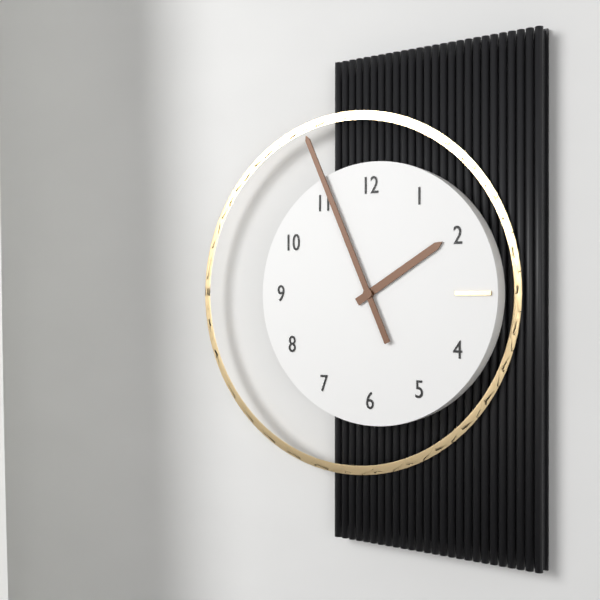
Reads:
1,56
